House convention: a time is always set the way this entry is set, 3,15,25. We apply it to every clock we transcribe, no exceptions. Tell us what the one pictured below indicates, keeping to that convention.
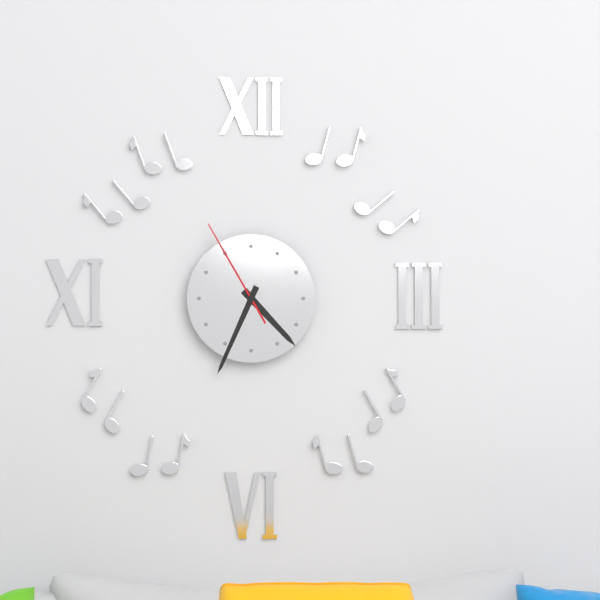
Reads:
4,34,55
